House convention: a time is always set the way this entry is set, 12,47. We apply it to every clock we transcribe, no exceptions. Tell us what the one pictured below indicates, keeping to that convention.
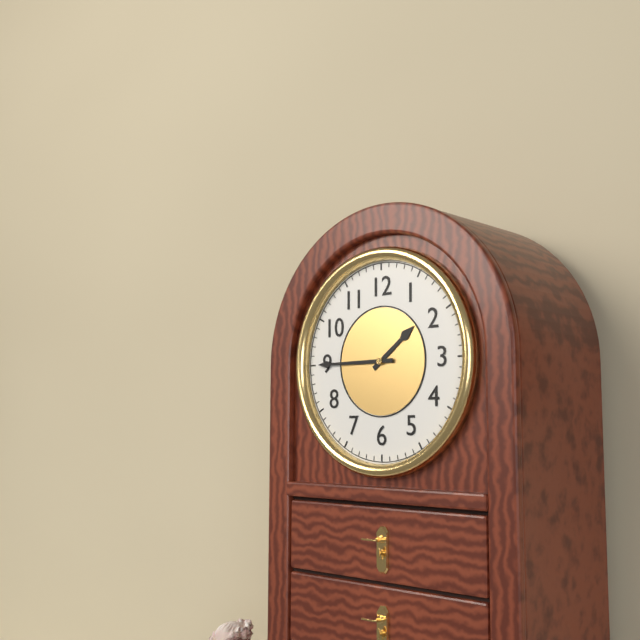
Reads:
1,45
